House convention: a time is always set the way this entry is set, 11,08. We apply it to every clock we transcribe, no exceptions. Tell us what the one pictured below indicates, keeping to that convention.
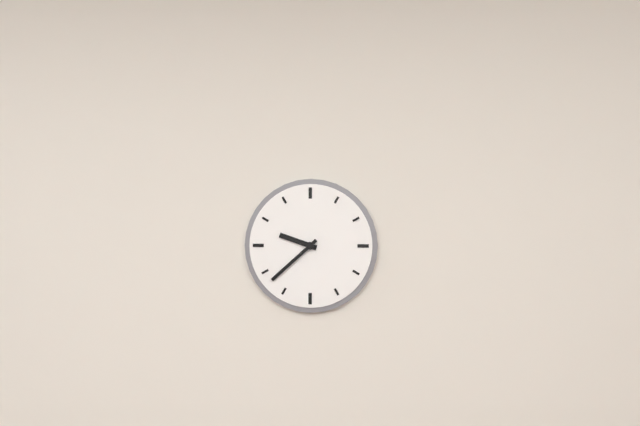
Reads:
9,38
